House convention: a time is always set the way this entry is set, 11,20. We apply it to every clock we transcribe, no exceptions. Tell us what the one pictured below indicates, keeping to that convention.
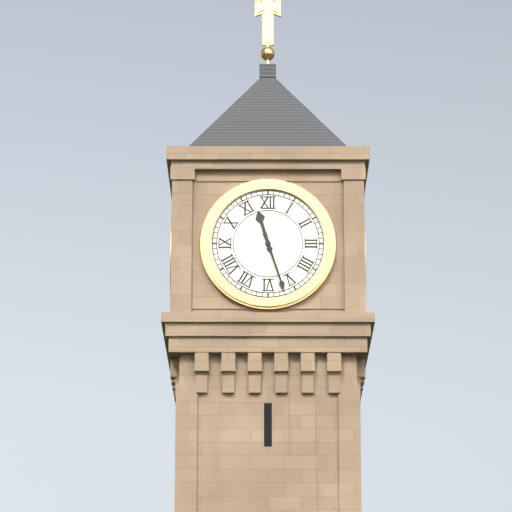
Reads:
11,27
